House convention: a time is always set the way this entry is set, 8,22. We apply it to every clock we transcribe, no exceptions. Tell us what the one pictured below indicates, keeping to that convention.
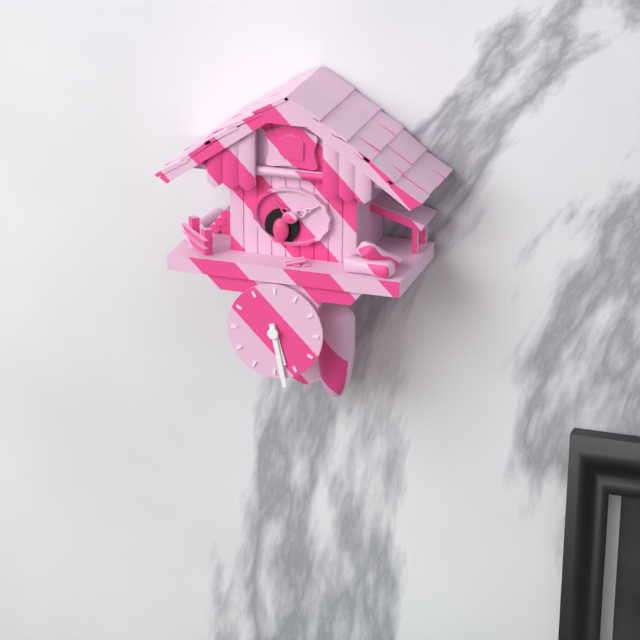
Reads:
5,28
